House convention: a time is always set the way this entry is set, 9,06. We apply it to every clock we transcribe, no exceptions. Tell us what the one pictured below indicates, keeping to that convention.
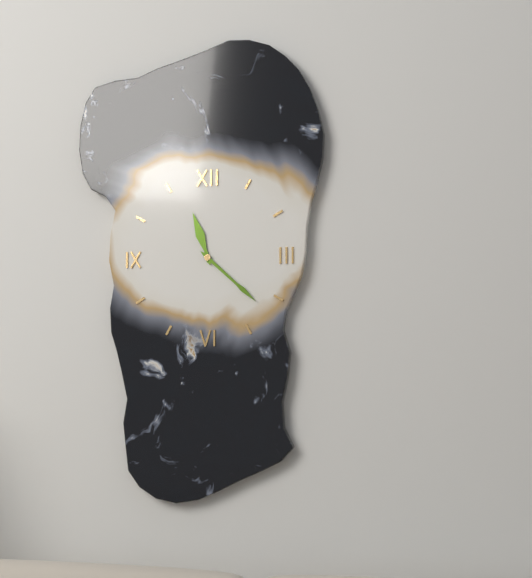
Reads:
11,22
